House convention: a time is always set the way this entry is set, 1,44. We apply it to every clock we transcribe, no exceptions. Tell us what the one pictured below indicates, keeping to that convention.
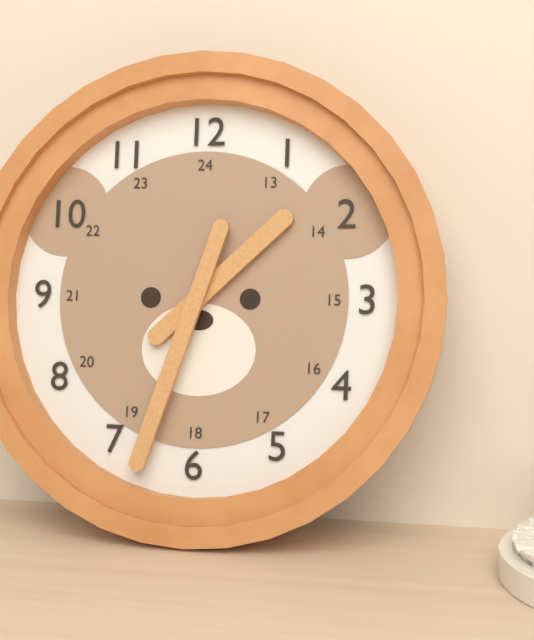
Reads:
1,33
